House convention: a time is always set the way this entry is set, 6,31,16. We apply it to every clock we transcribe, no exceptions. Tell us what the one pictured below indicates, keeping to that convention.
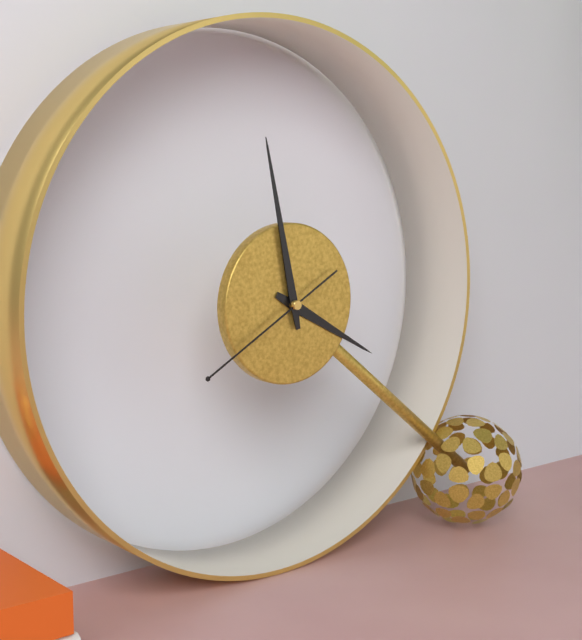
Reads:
3,58,40
